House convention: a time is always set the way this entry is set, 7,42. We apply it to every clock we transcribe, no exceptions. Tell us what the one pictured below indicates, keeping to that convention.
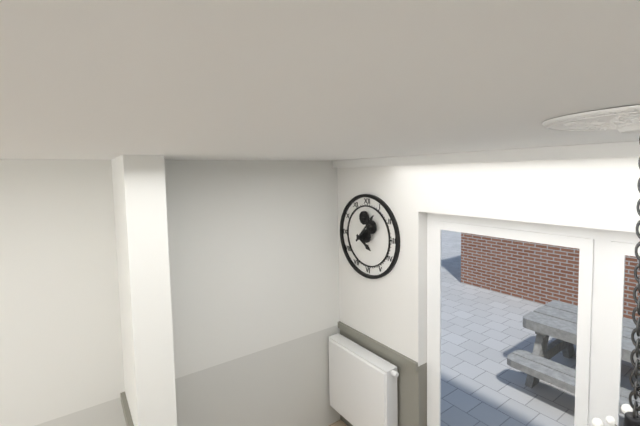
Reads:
4,07
